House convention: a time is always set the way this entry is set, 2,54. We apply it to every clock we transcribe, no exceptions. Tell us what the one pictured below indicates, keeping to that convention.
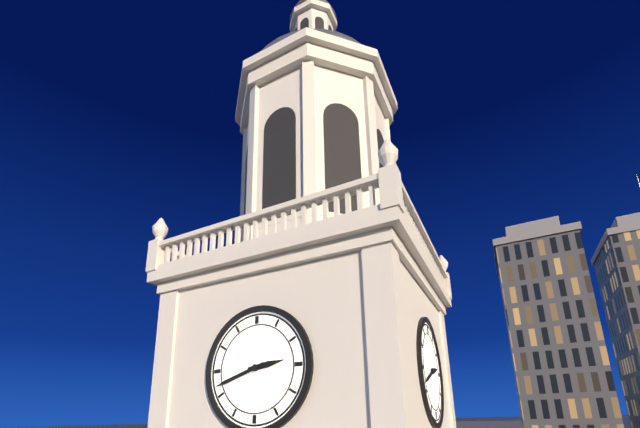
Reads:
2,42
